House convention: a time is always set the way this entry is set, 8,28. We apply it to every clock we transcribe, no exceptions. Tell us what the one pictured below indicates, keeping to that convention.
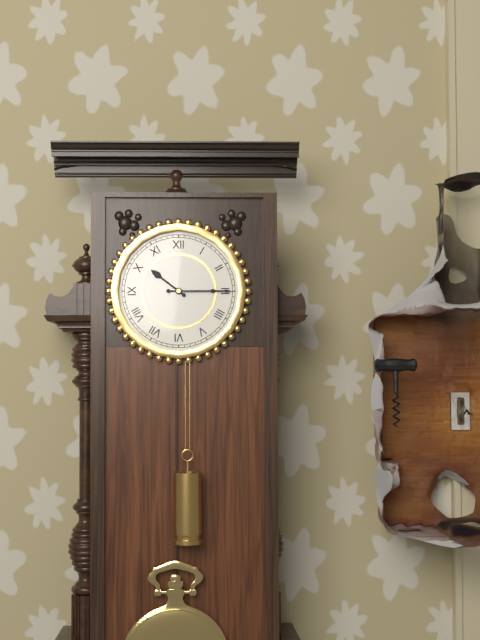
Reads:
10,15
